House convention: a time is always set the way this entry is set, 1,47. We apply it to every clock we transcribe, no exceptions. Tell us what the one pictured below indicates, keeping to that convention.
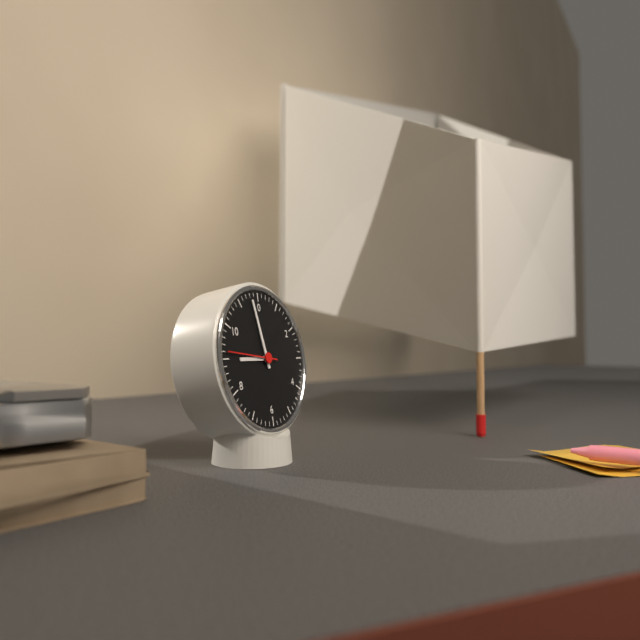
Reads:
8,58
